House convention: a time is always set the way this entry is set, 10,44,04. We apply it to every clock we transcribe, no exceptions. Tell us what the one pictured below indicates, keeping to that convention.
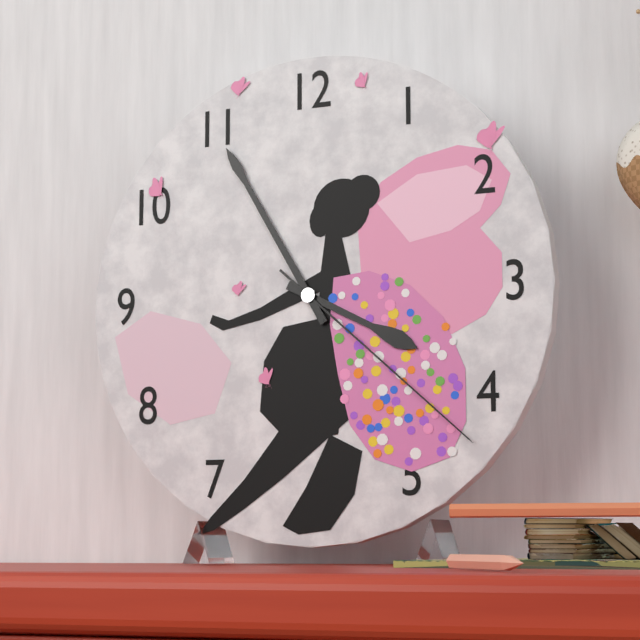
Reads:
3,55,22
